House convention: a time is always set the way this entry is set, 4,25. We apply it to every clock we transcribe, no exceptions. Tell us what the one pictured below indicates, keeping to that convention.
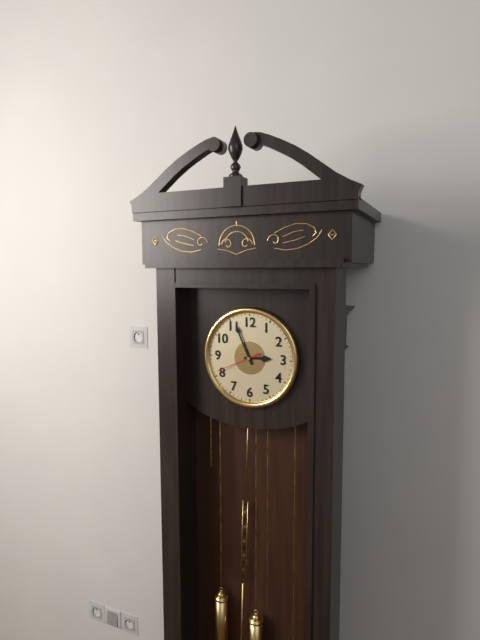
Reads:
2,56
